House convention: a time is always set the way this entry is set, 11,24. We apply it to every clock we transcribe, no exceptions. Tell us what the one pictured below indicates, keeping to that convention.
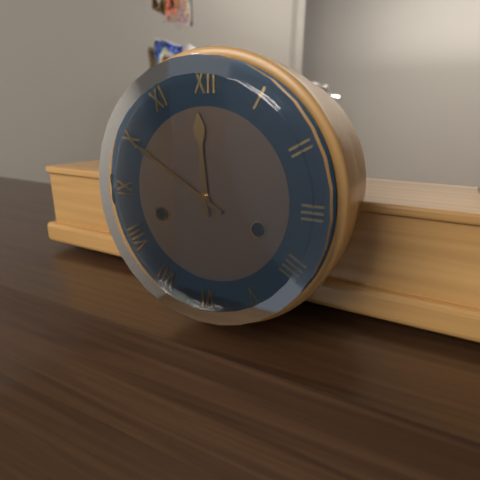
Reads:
11,50
